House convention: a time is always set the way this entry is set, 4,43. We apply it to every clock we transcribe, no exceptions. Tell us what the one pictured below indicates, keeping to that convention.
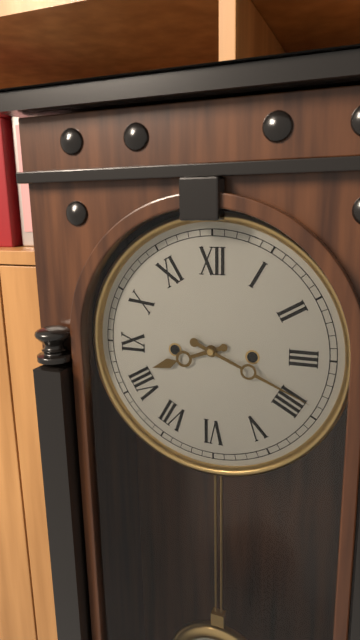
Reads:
8,19
